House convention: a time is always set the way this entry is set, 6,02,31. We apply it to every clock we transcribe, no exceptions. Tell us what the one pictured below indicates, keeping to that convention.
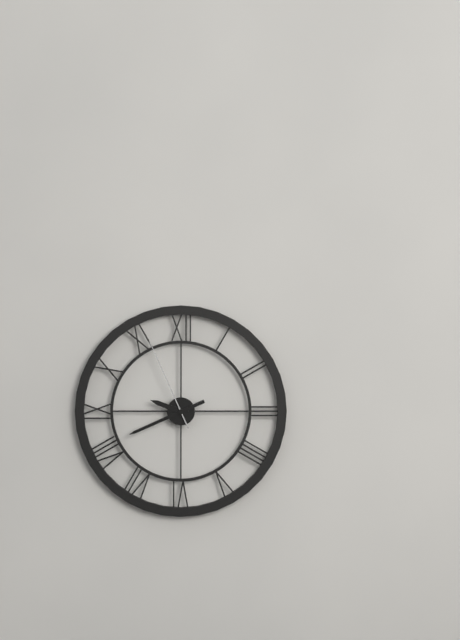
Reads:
9,41,56
